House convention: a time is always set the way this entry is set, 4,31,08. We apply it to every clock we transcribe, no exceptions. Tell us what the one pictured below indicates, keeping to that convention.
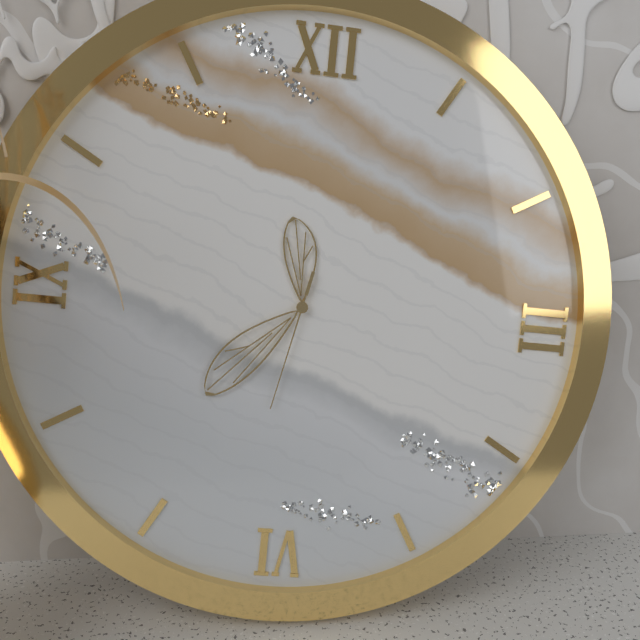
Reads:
11,37,32
